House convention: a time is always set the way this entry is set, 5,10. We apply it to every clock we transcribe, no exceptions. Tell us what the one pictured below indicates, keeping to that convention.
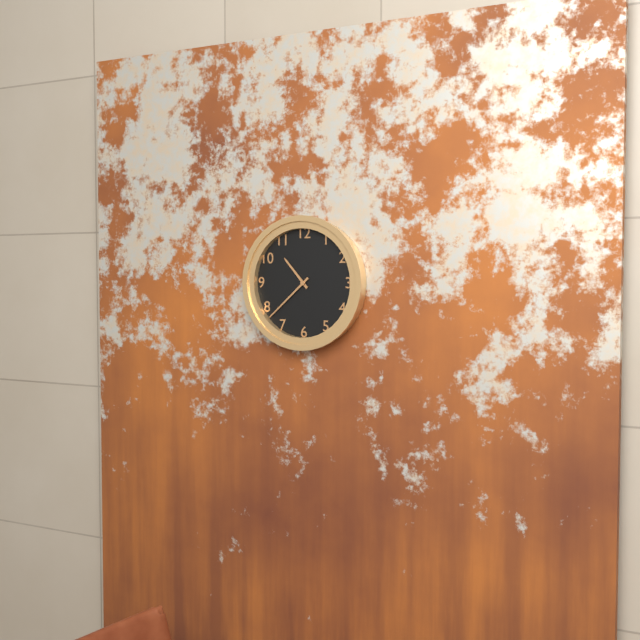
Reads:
10,38
